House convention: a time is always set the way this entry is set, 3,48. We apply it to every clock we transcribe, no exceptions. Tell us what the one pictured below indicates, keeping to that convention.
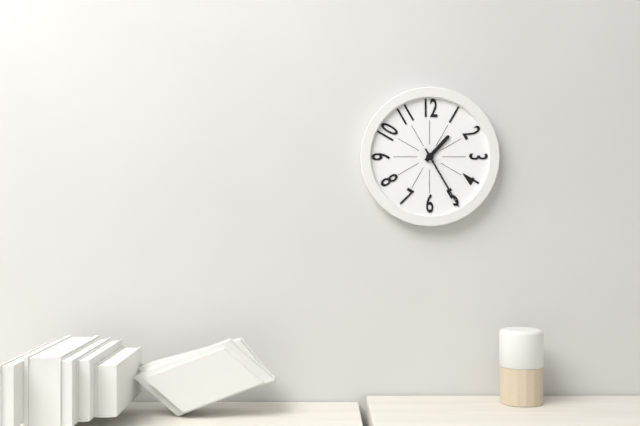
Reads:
1,25
